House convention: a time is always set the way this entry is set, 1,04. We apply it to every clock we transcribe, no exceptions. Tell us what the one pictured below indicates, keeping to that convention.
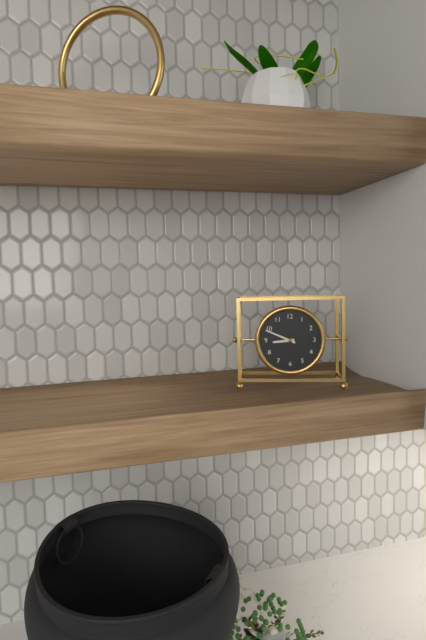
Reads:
8,49
